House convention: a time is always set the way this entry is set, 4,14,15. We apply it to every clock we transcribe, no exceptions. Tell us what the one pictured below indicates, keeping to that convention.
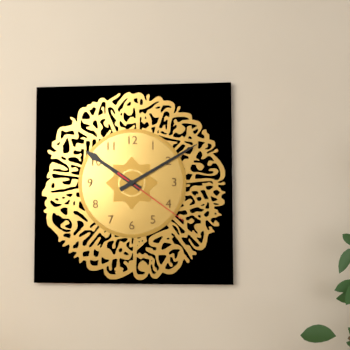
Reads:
10,10,21
